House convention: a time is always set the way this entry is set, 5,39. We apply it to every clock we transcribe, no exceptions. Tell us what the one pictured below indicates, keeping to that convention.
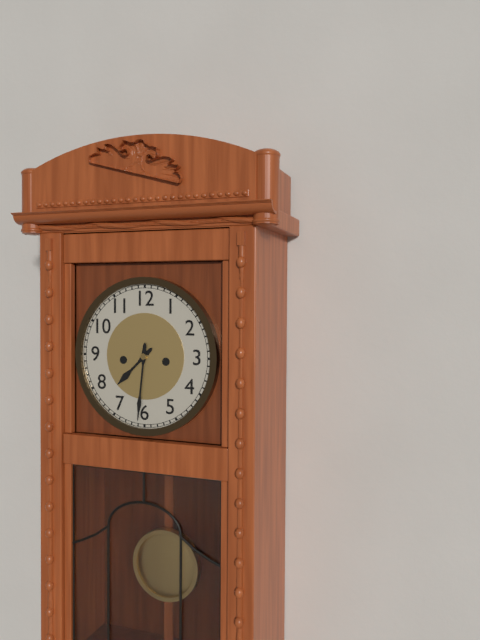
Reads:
7,31
